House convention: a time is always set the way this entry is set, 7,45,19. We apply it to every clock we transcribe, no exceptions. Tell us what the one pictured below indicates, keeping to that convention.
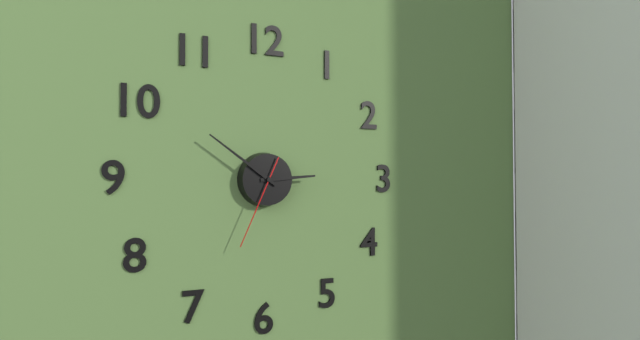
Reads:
2,51,34
